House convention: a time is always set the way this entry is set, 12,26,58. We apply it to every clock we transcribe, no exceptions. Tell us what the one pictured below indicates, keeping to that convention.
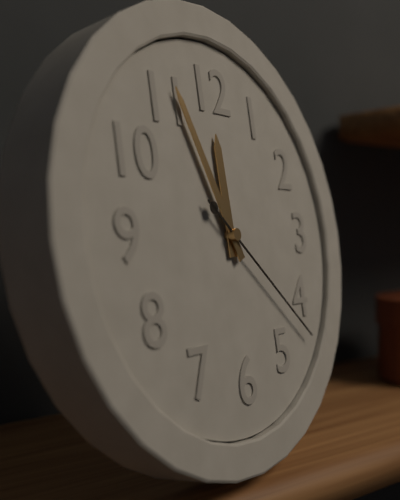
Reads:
11,56,22
